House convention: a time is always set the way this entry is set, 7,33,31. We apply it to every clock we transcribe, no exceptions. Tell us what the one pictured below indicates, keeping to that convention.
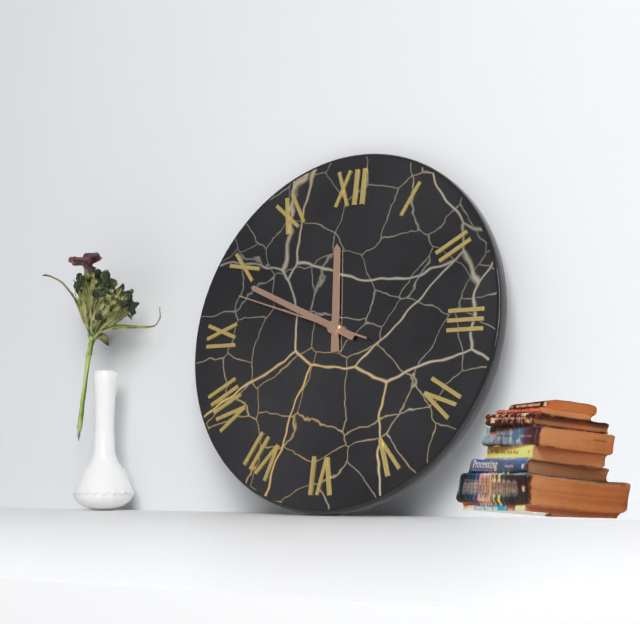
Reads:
11,49,48
